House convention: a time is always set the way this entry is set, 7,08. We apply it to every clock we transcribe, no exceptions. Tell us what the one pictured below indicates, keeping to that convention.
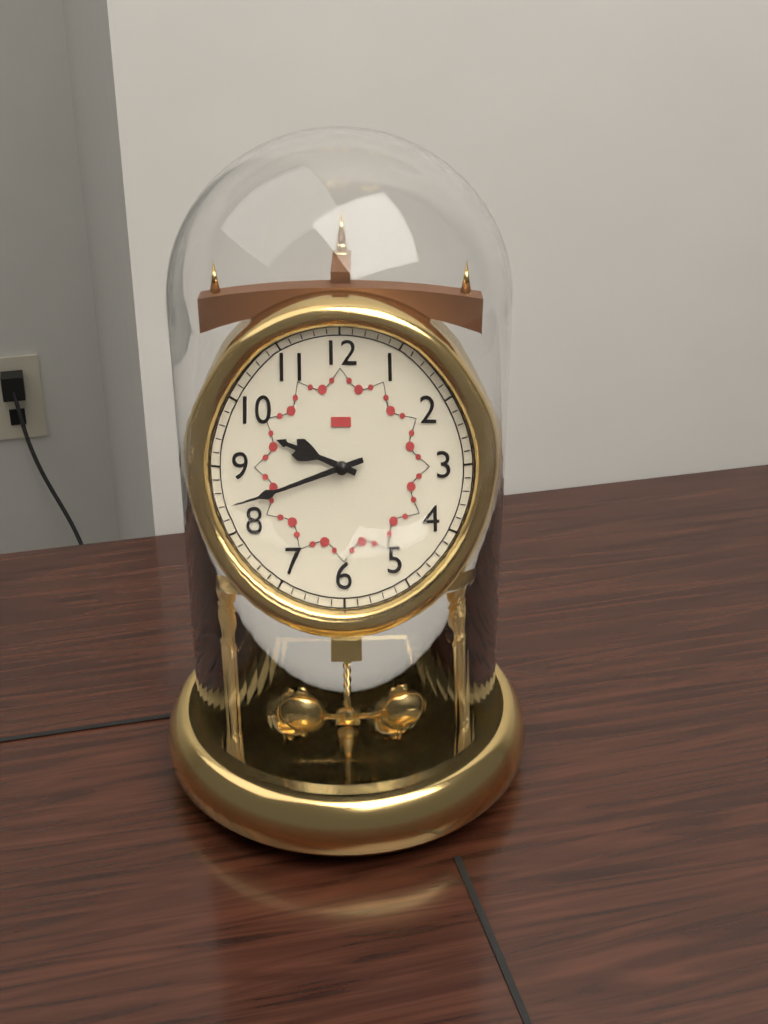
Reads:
9,42
